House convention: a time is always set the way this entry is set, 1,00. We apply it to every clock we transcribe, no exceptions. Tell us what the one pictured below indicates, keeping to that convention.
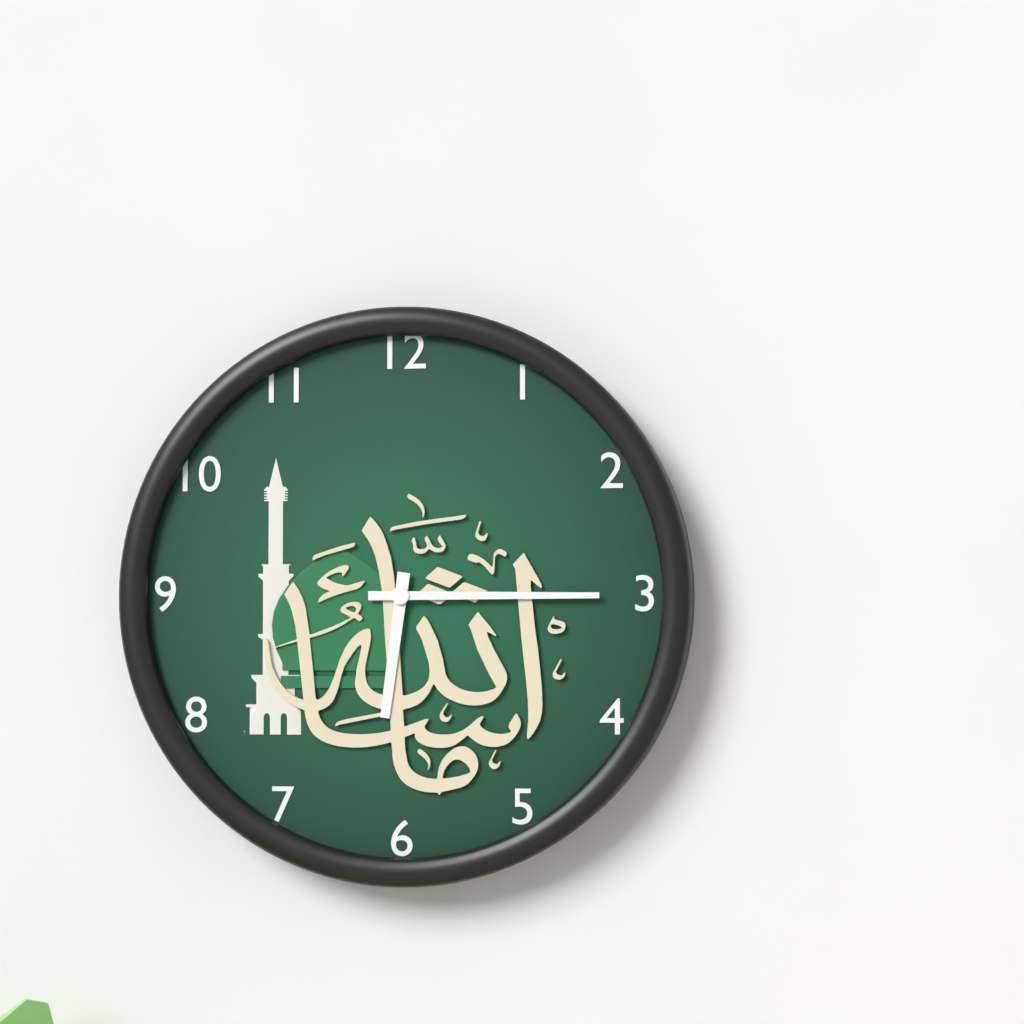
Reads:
6,15
